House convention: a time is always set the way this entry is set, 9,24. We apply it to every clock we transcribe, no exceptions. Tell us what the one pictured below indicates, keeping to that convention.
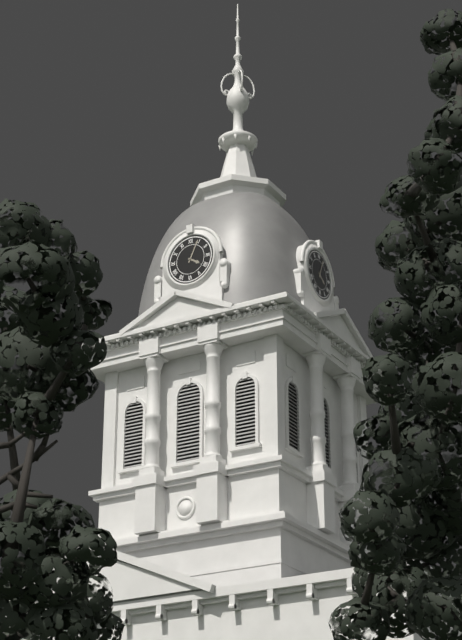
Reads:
4,04
